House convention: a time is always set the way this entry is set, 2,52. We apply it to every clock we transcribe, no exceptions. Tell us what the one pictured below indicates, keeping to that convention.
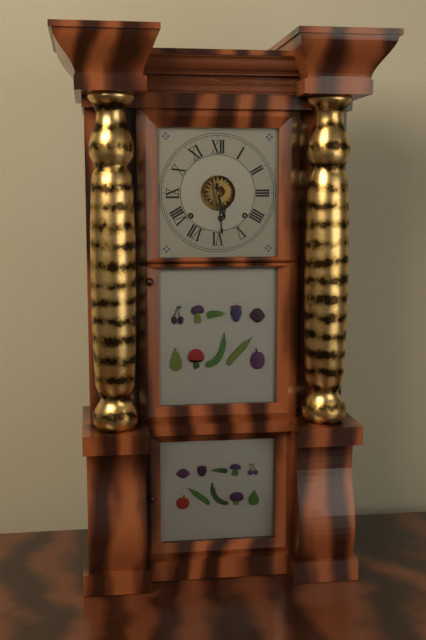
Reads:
5,29
